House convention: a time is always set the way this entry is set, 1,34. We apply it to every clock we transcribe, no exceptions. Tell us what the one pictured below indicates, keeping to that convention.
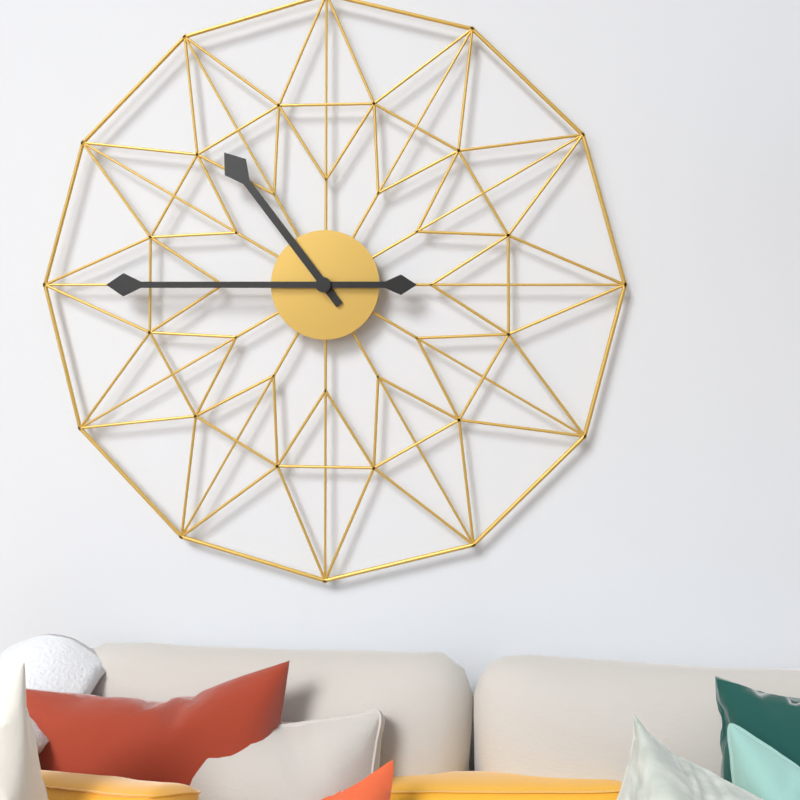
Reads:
10,45
